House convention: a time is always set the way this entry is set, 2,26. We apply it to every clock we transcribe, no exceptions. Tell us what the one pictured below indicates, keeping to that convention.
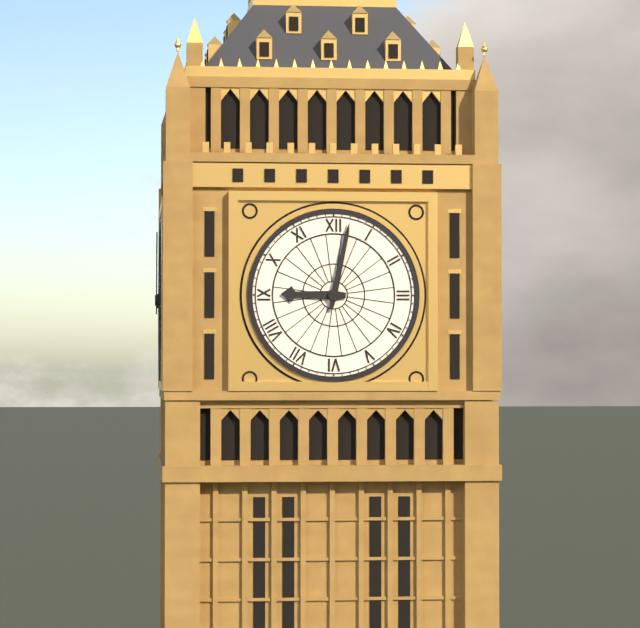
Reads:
9,02
